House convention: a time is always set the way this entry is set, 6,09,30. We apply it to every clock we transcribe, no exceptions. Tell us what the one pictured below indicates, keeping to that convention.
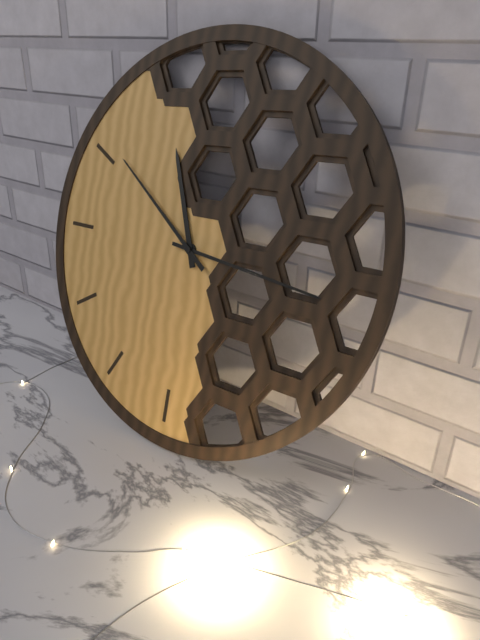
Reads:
11,16,51
